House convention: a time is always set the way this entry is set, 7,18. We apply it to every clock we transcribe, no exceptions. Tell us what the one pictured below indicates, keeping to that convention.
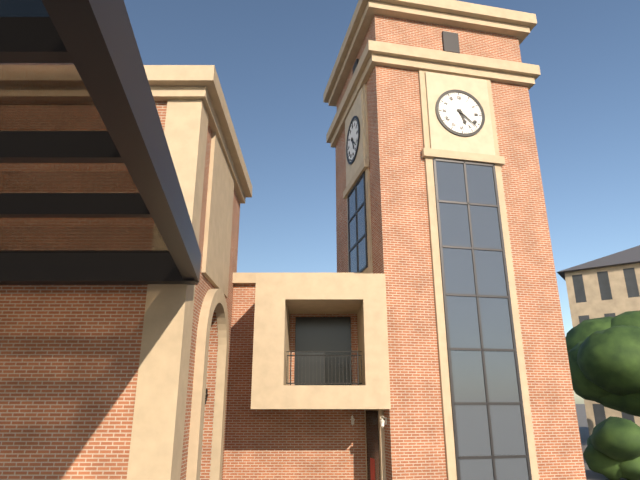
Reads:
5,22
